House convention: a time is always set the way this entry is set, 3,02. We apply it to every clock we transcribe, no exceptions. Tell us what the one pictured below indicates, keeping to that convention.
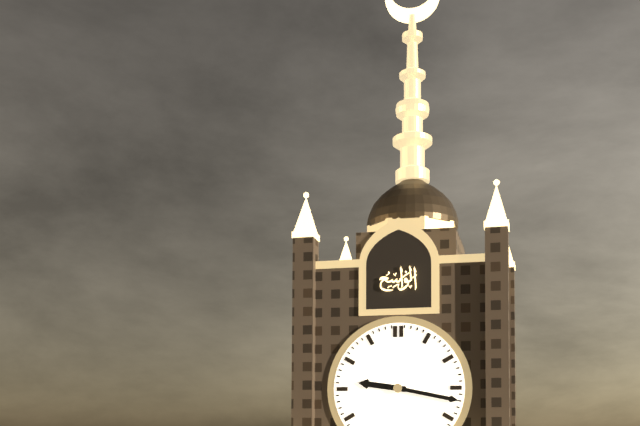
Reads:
9,17
